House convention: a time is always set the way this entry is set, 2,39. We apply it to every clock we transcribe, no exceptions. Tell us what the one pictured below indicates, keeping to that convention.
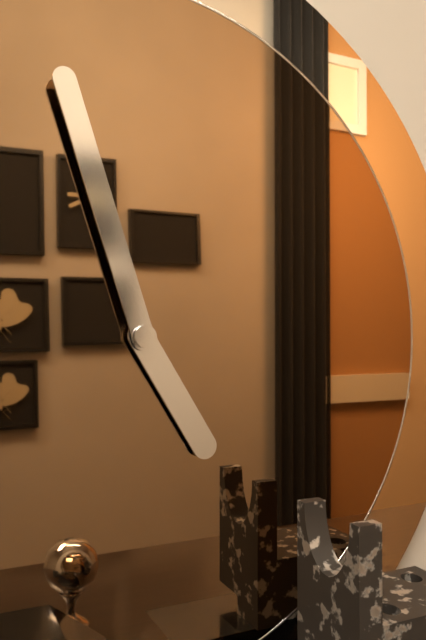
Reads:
4,57
